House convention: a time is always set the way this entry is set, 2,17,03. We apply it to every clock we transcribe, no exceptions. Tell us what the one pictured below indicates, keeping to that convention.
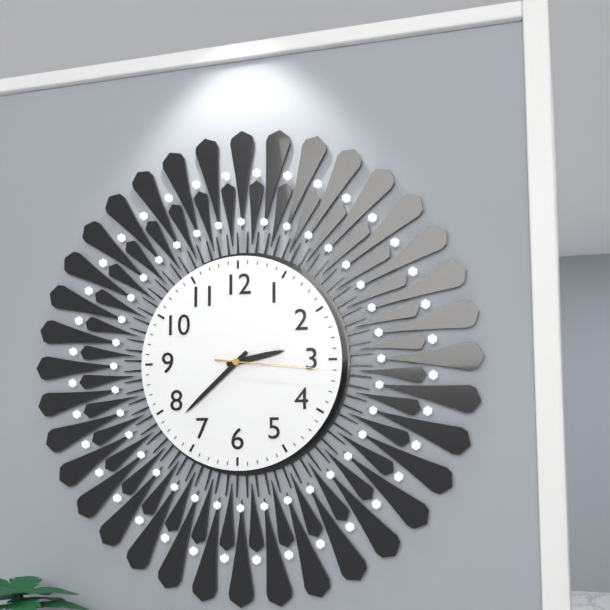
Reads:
2,38,16
